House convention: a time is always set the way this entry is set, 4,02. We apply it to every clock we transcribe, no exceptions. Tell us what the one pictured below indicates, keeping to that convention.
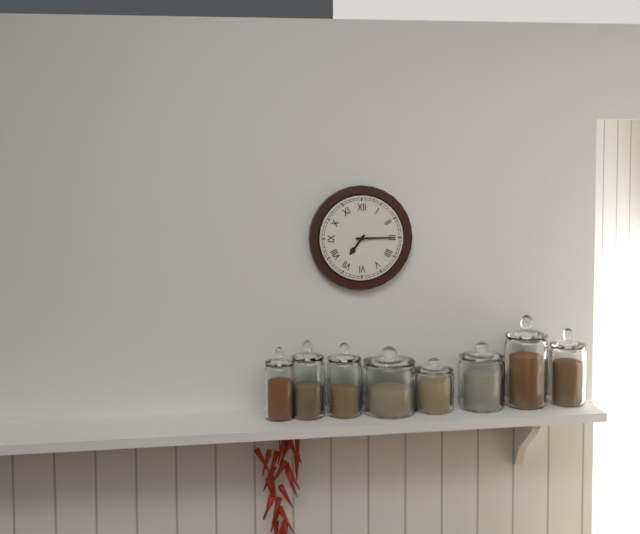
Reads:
7,15
